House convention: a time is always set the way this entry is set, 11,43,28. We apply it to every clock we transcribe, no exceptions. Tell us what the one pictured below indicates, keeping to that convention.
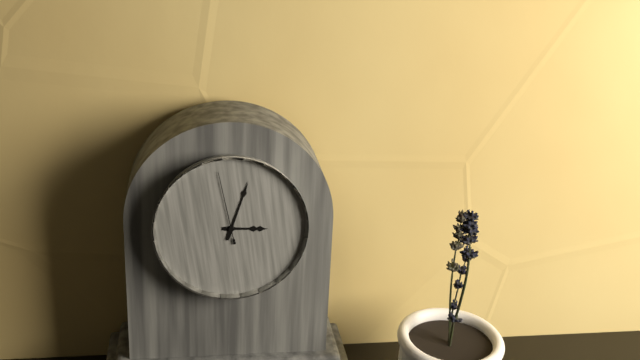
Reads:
3,03,58
